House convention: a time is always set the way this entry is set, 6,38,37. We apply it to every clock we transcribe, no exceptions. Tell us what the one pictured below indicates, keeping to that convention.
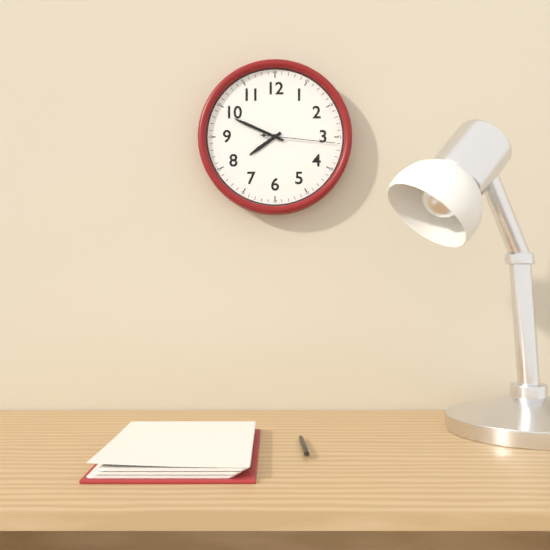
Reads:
7,49,16
